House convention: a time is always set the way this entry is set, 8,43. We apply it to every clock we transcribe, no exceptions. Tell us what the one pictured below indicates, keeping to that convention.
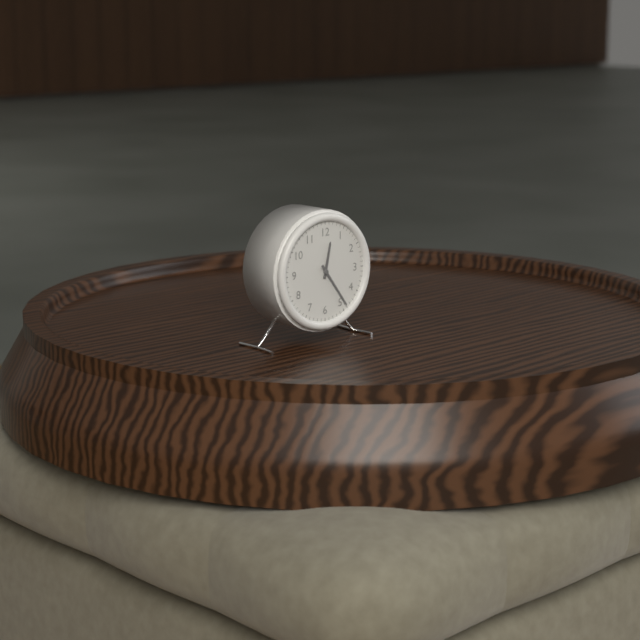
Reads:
12,24
